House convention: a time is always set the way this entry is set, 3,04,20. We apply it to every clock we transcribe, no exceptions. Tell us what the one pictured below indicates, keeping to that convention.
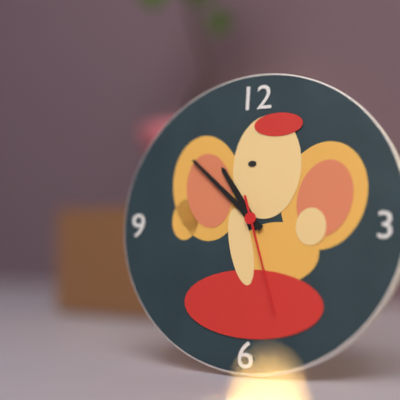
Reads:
10,52,27
